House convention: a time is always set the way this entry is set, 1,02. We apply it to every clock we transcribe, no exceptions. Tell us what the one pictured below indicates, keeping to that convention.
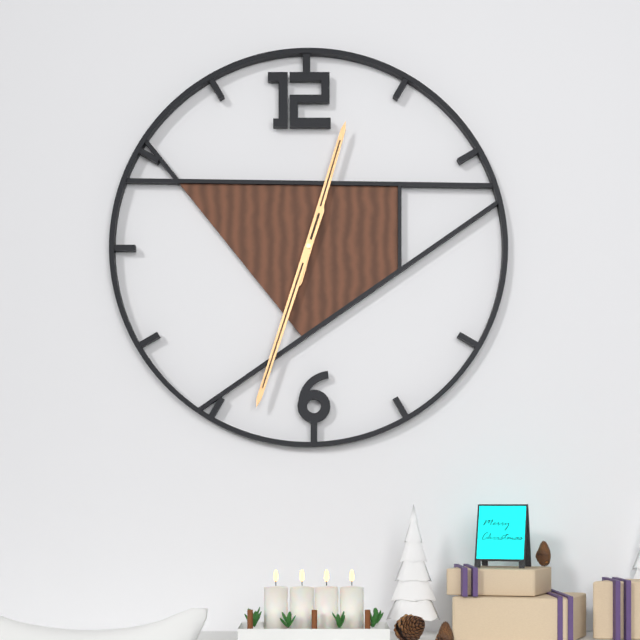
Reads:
12,33
